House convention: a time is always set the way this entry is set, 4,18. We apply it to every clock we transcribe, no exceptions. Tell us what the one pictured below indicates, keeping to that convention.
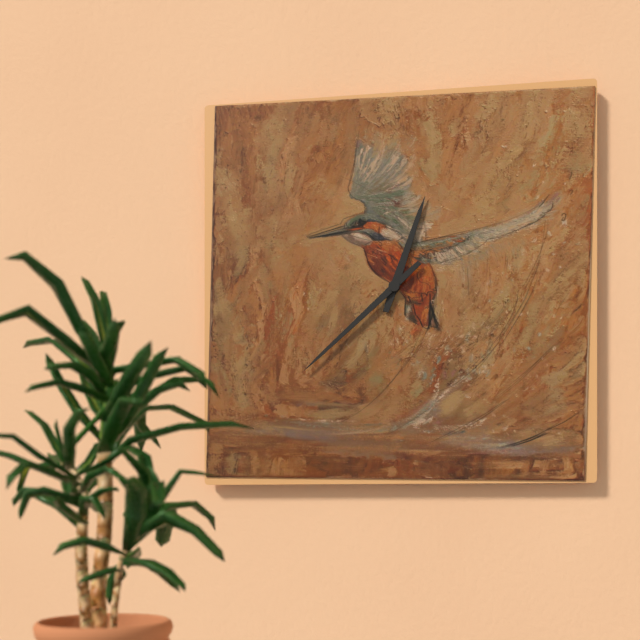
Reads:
12,38
